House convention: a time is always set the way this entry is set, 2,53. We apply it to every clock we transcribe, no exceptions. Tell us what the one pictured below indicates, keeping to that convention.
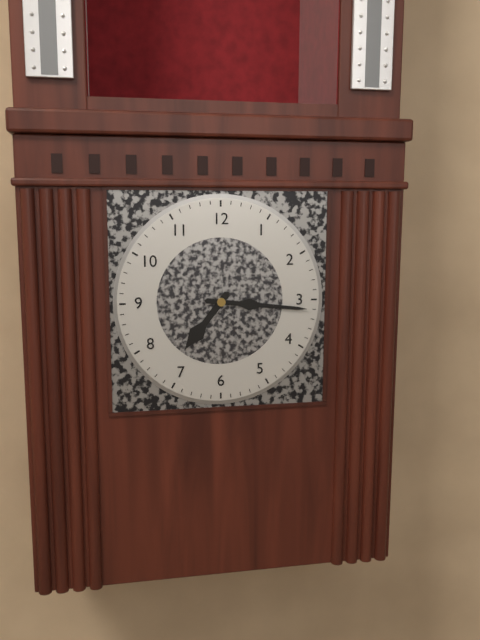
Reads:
7,16
